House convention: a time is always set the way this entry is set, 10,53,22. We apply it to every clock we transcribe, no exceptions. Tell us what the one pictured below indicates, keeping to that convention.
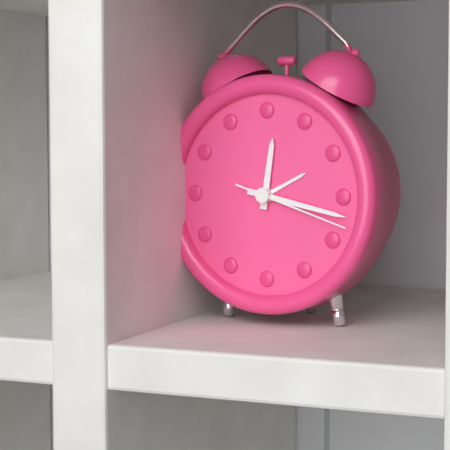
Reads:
12,17,18
